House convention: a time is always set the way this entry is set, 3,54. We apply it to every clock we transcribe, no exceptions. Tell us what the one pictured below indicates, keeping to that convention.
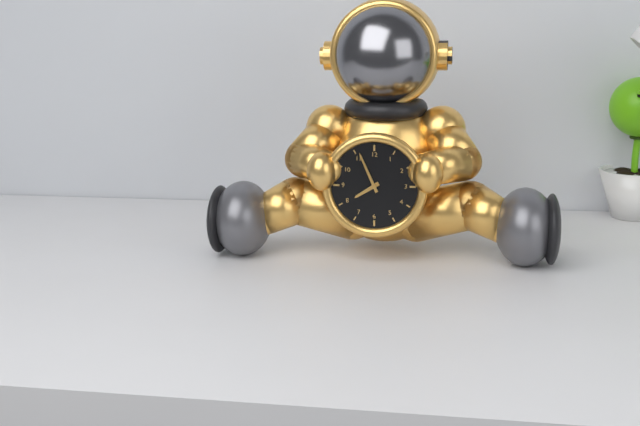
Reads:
7,56
